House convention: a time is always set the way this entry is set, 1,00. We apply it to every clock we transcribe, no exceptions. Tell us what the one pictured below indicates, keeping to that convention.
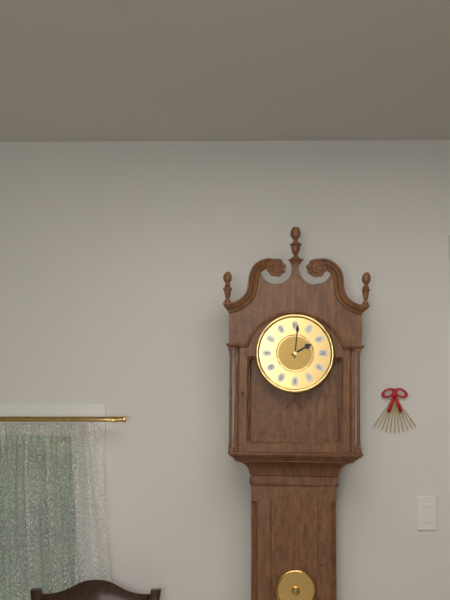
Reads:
2,01
